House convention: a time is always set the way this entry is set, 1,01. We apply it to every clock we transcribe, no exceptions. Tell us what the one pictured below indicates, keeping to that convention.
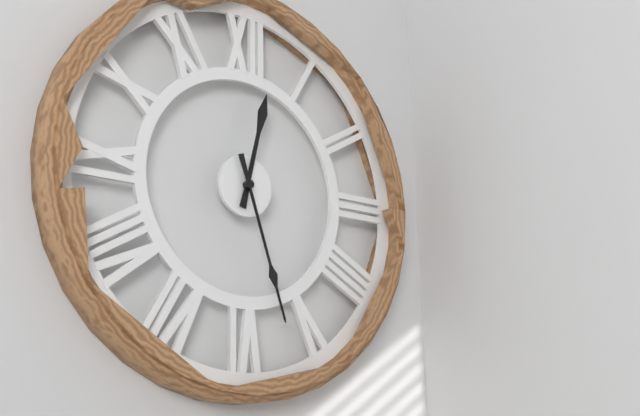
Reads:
12,27
